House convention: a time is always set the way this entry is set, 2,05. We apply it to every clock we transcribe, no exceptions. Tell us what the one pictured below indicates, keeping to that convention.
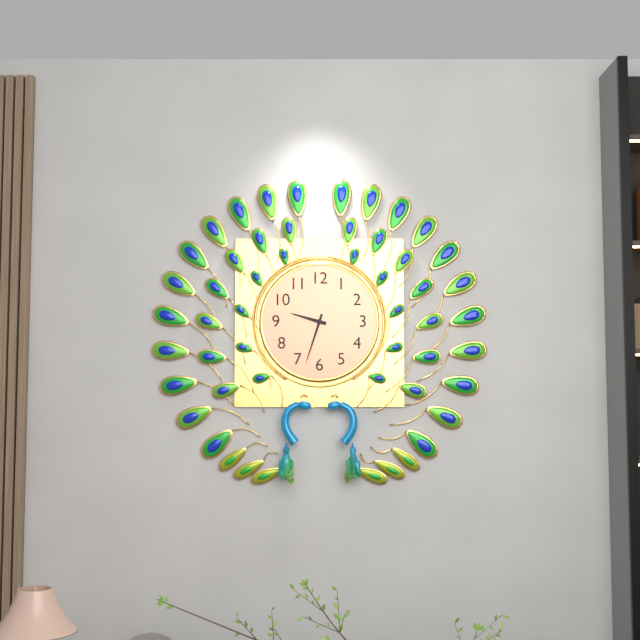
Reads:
9,33
